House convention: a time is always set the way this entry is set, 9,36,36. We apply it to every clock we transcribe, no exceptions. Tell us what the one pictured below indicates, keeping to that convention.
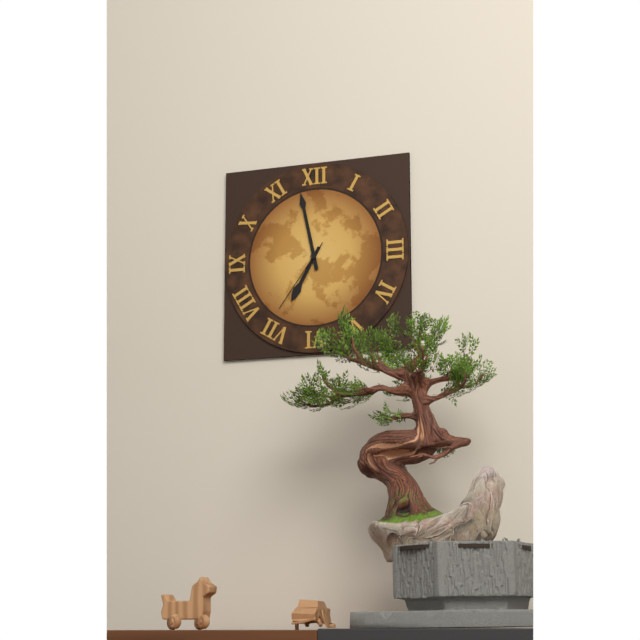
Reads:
6,58,36
